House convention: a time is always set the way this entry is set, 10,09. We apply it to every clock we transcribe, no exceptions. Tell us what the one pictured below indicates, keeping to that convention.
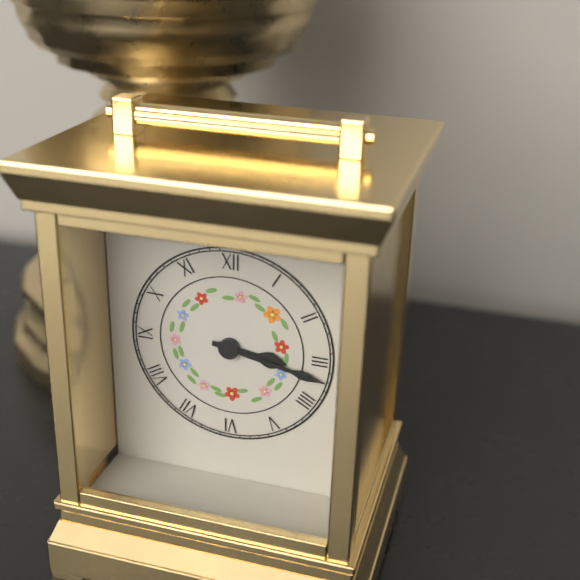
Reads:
3,17
